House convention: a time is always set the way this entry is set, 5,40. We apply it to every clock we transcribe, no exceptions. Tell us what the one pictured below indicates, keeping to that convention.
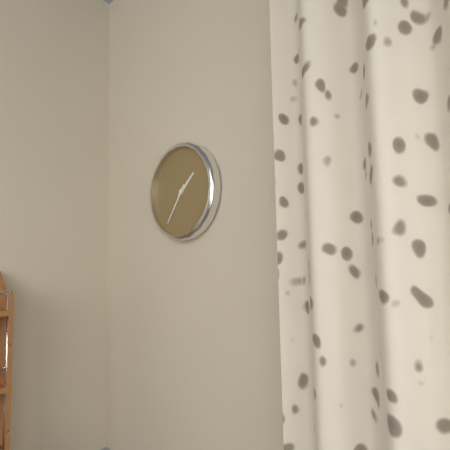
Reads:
1,36
